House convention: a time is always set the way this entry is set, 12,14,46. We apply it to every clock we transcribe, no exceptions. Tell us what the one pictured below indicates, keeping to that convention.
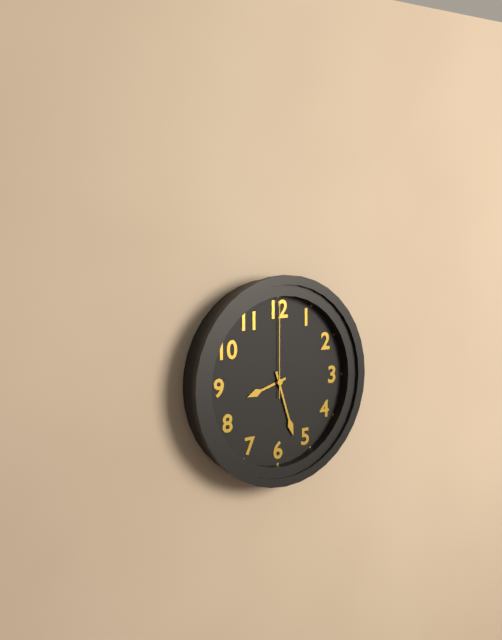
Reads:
8,27,00
